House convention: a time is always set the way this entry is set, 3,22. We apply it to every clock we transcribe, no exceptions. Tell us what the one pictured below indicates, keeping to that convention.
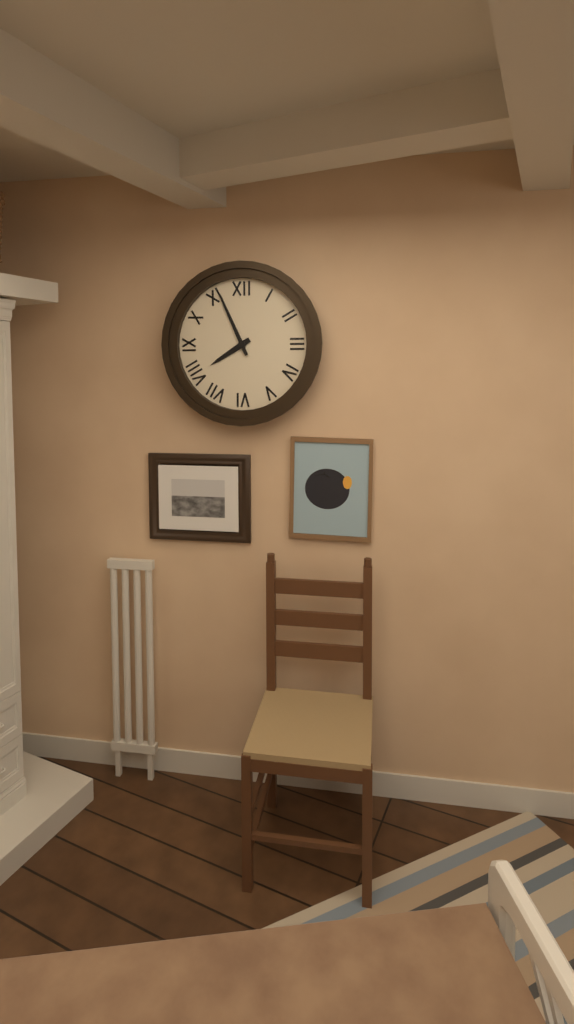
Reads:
7,56
